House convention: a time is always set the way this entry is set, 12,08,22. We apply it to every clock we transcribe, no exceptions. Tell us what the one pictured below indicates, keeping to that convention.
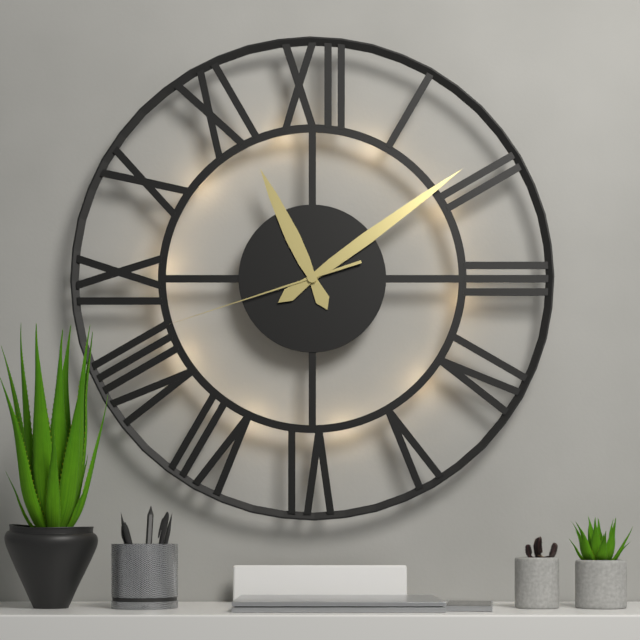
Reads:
11,09,42
